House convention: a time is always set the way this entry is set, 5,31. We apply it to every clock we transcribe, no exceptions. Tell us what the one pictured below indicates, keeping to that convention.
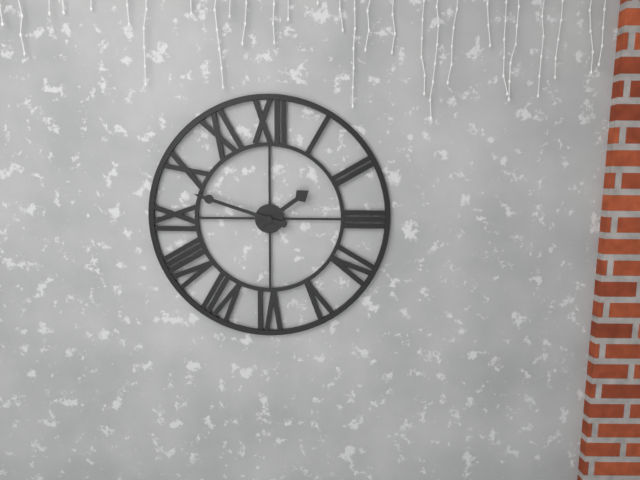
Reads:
1,48
